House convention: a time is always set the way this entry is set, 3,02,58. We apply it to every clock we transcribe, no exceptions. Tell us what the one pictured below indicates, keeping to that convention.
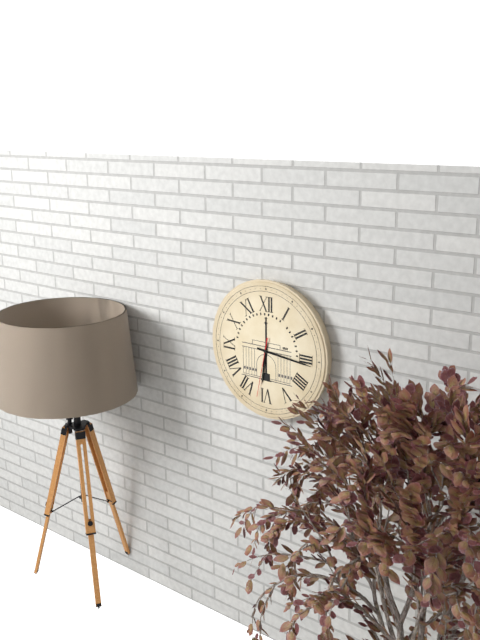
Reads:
6,16,32
